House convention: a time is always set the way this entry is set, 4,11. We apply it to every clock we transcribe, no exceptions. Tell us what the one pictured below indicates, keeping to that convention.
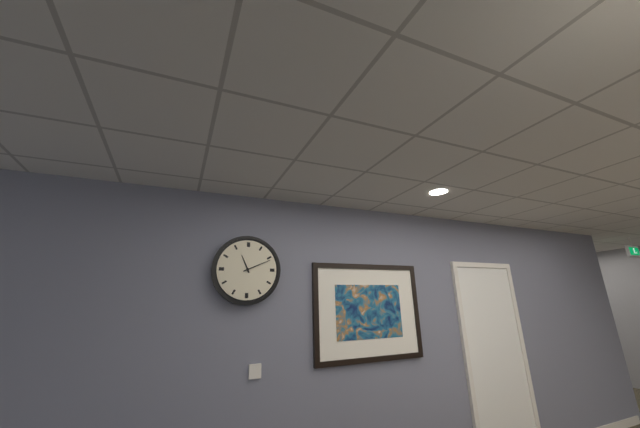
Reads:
11,11
